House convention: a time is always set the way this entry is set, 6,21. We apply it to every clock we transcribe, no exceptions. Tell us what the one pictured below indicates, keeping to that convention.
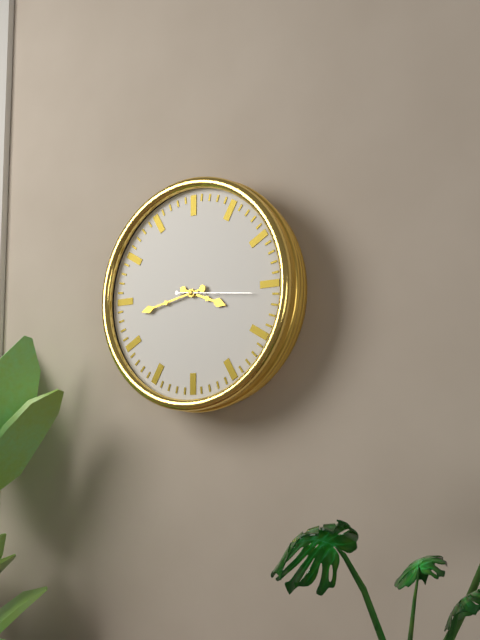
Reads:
3,43
